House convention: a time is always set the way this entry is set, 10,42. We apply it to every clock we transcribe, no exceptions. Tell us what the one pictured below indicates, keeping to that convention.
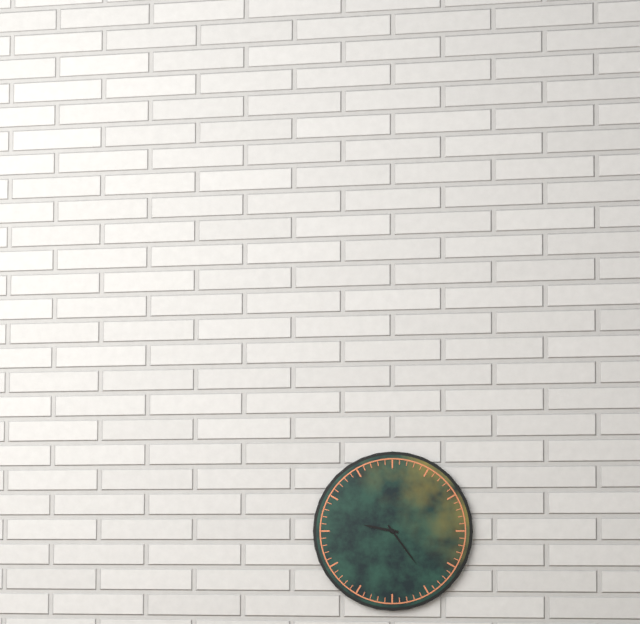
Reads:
9,24
